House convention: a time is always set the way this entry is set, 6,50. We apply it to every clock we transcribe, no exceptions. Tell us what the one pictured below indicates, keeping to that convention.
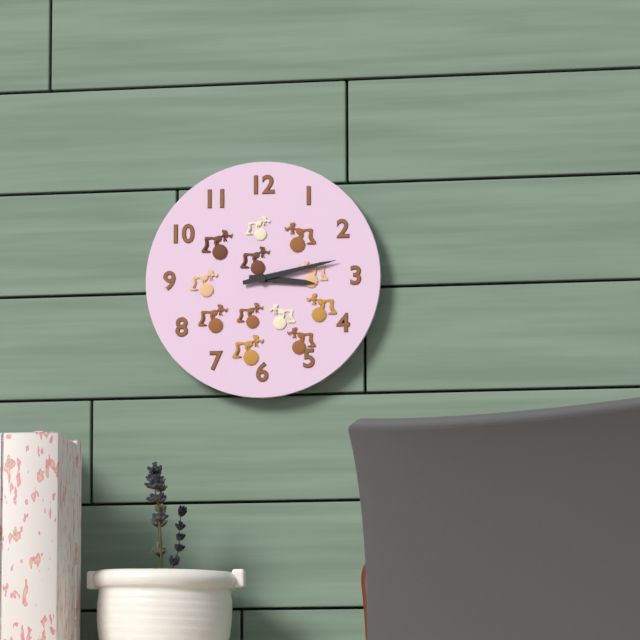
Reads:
3,13
